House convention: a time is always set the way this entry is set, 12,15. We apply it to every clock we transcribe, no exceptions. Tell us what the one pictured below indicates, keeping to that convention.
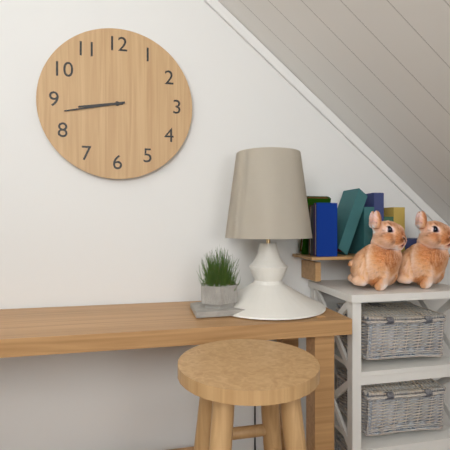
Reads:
8,43
